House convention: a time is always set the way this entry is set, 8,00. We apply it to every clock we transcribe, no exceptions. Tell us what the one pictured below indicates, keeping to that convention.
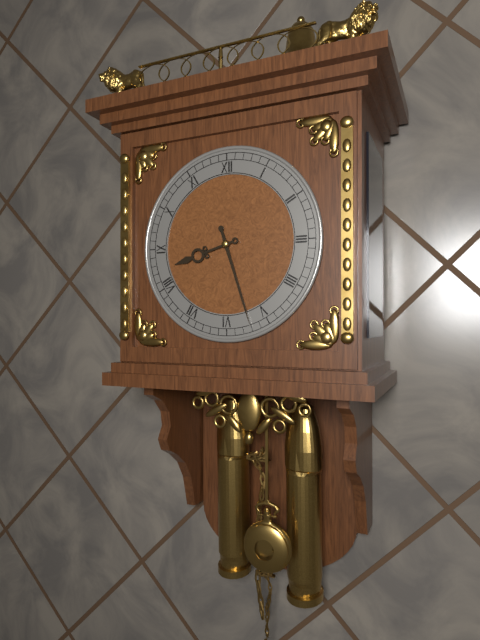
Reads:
8,27
